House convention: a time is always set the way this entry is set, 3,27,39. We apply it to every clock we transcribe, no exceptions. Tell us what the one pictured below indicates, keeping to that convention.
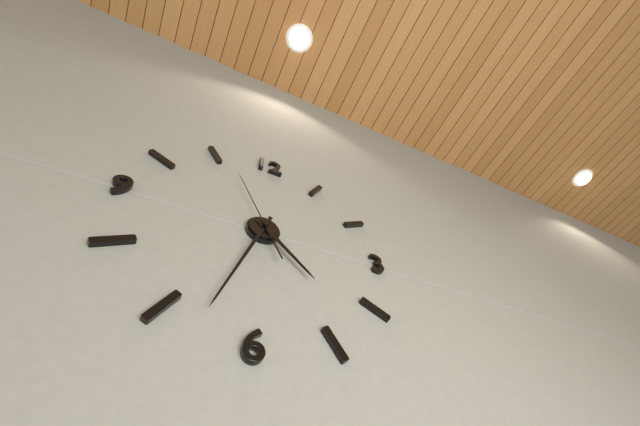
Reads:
4,33,56
